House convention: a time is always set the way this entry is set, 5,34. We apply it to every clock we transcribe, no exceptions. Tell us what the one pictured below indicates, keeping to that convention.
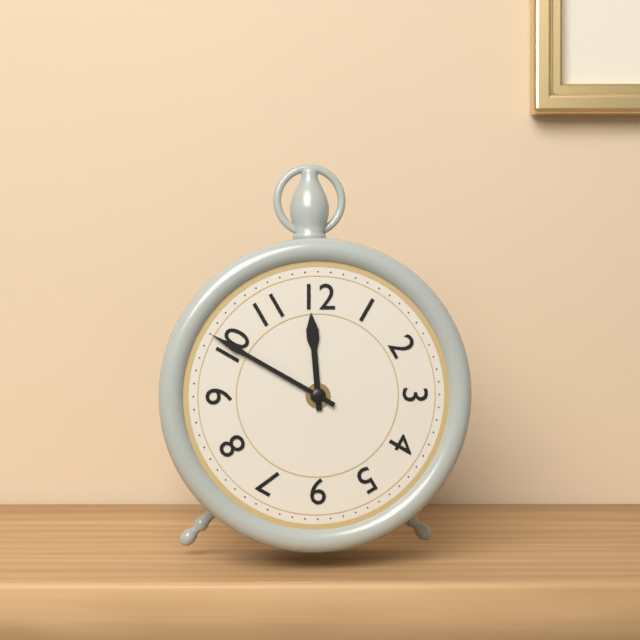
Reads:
11,50
